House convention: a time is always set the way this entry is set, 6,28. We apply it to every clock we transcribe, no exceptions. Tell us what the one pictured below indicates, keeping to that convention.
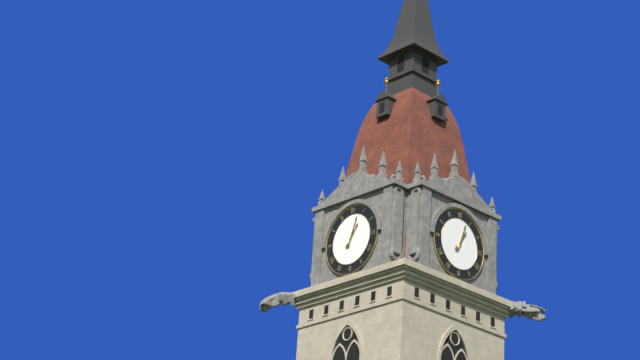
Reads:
1,03
